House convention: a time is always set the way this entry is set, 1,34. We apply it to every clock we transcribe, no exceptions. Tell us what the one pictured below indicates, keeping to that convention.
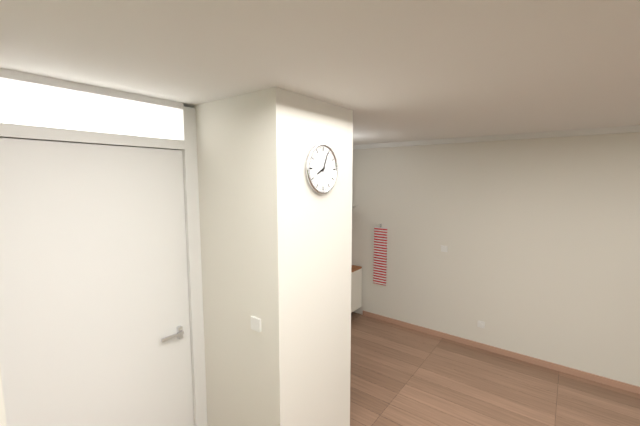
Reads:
8,04
